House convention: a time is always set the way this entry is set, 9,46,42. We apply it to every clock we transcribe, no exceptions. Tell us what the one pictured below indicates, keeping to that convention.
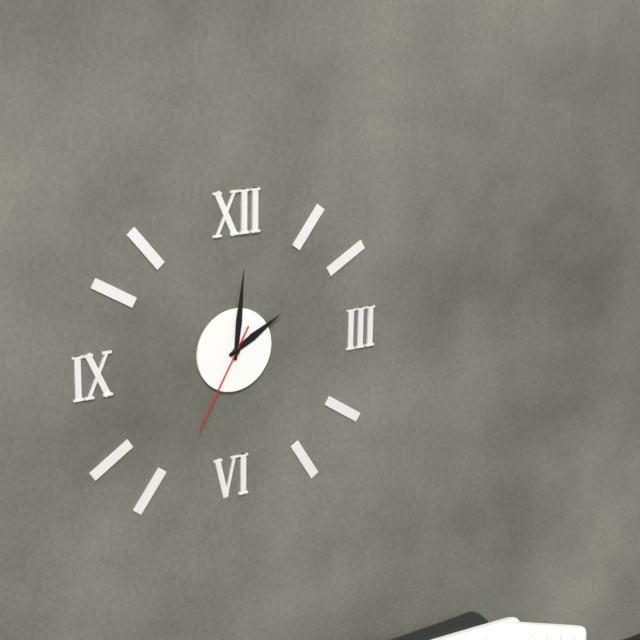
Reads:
2,01,35
